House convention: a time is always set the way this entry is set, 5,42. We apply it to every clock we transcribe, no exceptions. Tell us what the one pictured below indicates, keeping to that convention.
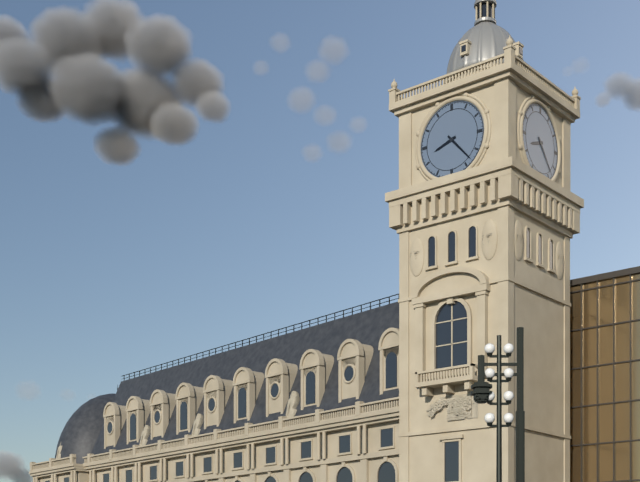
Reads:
8,23
